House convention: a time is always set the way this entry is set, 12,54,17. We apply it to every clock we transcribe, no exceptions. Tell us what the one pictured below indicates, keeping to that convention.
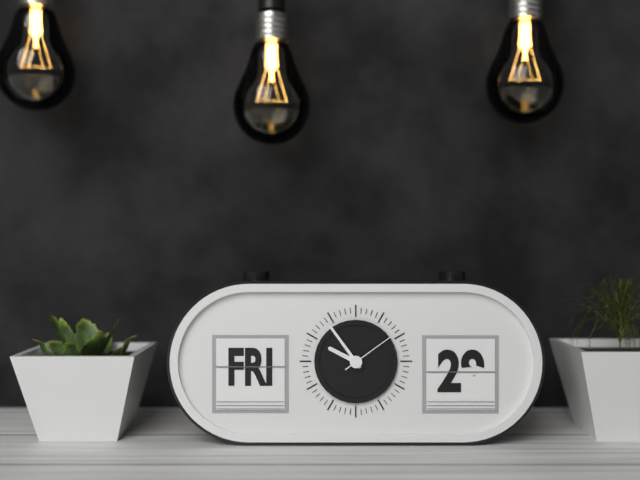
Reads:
9,54,09
